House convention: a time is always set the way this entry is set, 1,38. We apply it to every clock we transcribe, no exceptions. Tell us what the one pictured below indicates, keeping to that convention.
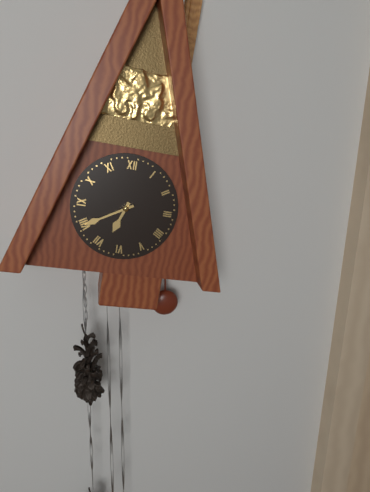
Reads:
6,40
